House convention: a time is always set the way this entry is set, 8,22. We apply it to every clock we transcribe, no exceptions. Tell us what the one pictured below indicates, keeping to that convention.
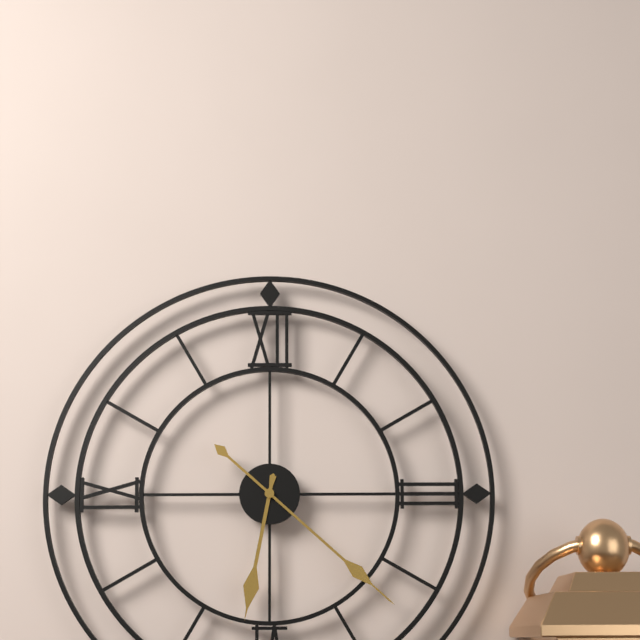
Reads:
6,22
